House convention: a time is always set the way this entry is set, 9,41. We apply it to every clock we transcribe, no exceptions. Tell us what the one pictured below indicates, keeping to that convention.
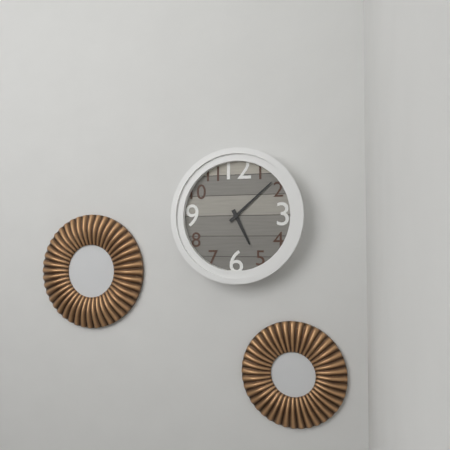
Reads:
5,08
